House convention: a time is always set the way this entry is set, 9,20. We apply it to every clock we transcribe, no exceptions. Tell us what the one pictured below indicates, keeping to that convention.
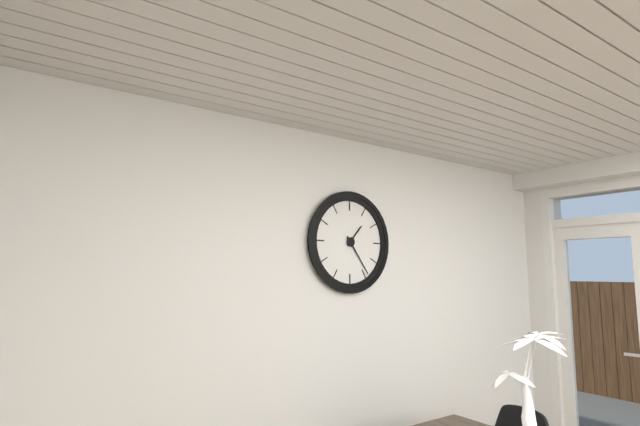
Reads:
1,24
